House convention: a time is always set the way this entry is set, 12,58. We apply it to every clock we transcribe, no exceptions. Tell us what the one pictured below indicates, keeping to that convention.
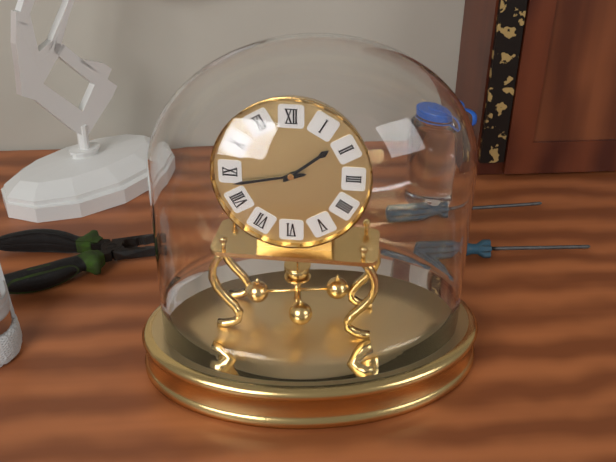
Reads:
1,43
